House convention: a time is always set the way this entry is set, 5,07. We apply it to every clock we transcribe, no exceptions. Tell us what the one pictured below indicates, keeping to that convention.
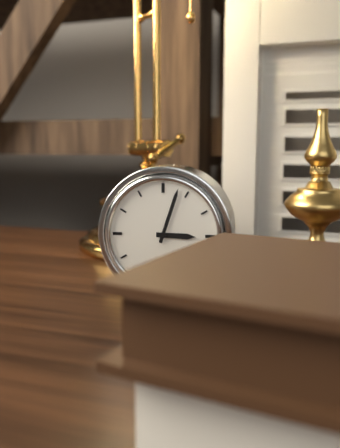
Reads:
3,03
